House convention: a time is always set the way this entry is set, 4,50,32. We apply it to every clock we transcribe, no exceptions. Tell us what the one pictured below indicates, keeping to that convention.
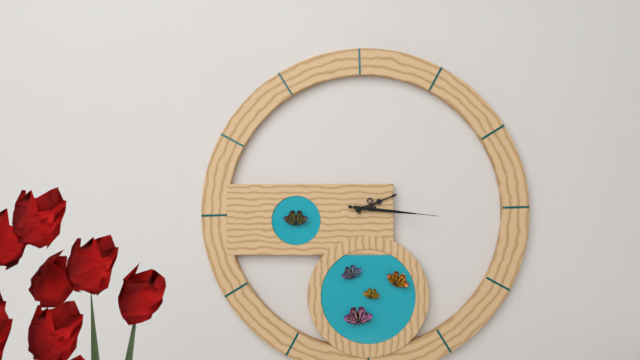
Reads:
2,16,16
